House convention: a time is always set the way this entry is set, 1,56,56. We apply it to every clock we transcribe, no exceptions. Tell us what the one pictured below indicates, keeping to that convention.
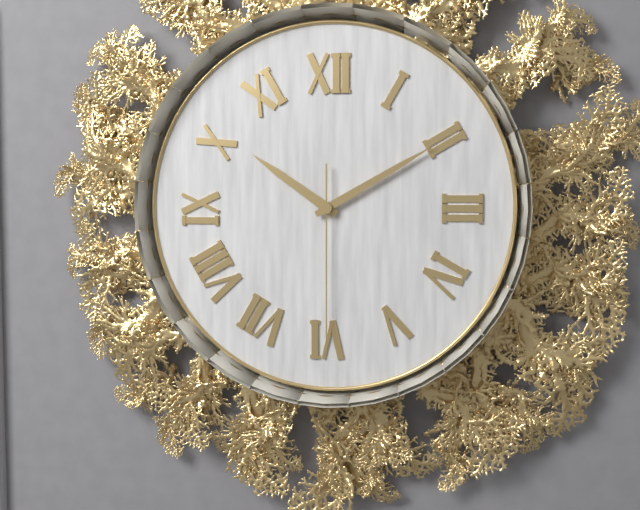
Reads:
10,10,30
